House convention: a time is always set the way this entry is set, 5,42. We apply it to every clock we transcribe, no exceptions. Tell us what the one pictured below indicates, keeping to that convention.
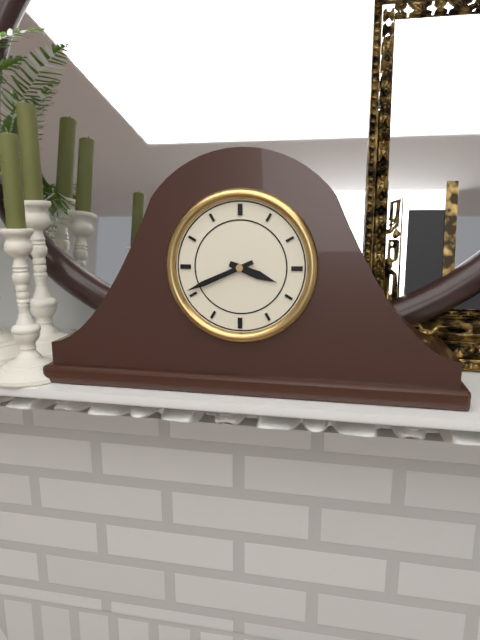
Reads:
3,41
